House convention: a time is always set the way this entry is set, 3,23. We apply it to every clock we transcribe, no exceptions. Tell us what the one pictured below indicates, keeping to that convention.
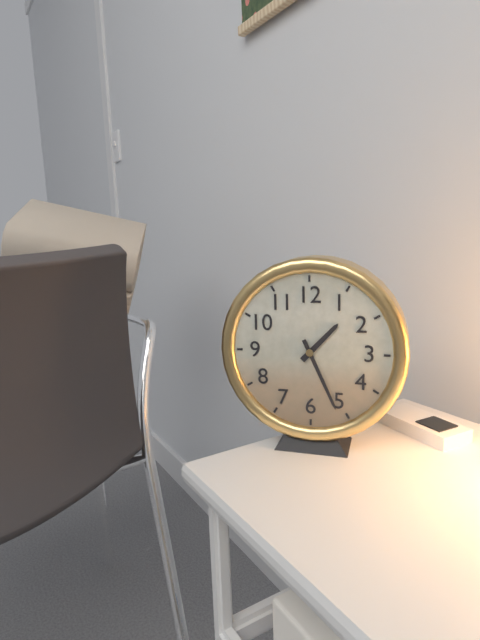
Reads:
1,26
